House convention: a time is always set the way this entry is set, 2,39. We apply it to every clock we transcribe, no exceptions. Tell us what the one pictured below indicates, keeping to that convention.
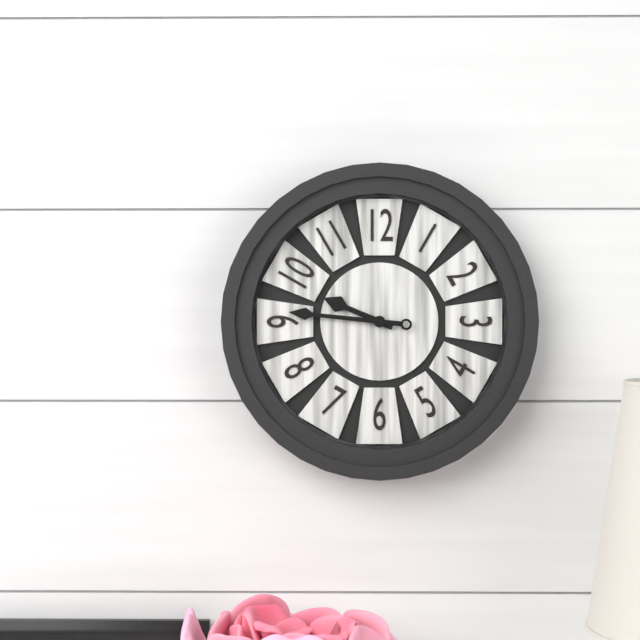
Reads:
9,46
